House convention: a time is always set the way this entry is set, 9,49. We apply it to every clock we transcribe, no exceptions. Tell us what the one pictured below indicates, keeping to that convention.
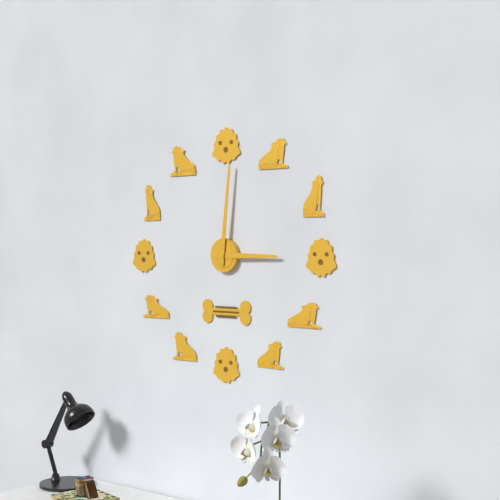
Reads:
3,01
